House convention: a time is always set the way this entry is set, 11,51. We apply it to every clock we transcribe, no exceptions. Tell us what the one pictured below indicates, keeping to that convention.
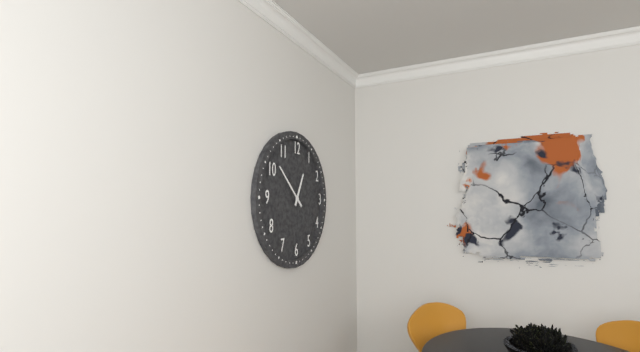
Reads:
12,52
